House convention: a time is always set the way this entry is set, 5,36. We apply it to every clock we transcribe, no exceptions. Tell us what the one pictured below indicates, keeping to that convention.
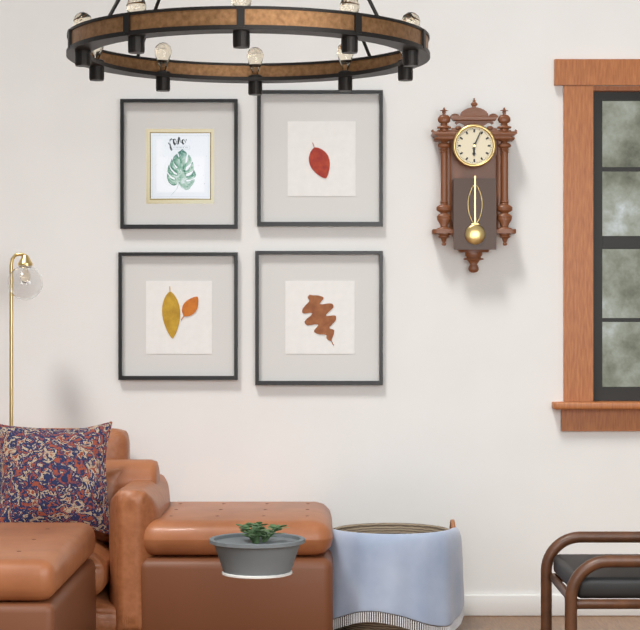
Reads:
6,04
